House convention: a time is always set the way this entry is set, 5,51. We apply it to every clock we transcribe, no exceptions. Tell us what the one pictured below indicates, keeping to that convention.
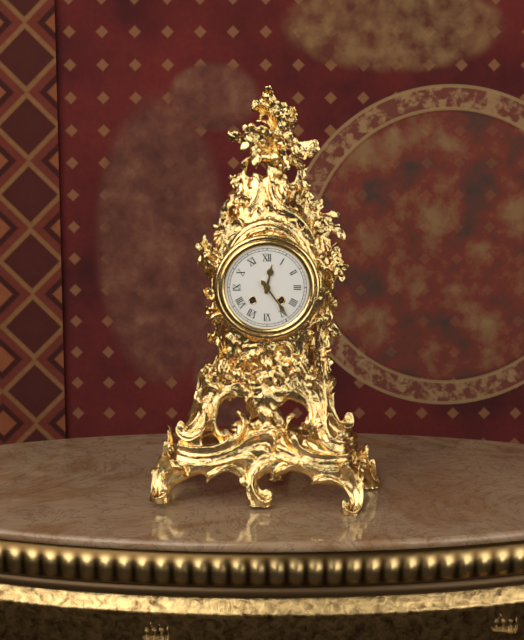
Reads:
12,24
